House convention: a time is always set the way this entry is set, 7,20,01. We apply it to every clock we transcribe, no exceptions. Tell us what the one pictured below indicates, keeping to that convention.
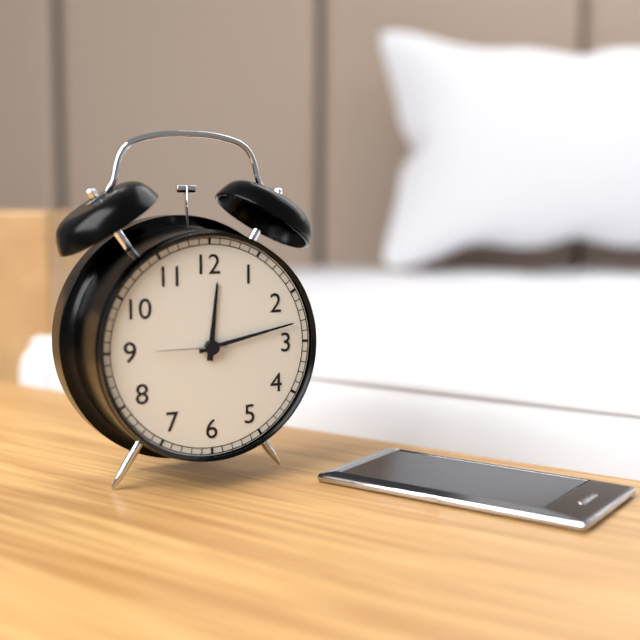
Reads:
12,13,45
